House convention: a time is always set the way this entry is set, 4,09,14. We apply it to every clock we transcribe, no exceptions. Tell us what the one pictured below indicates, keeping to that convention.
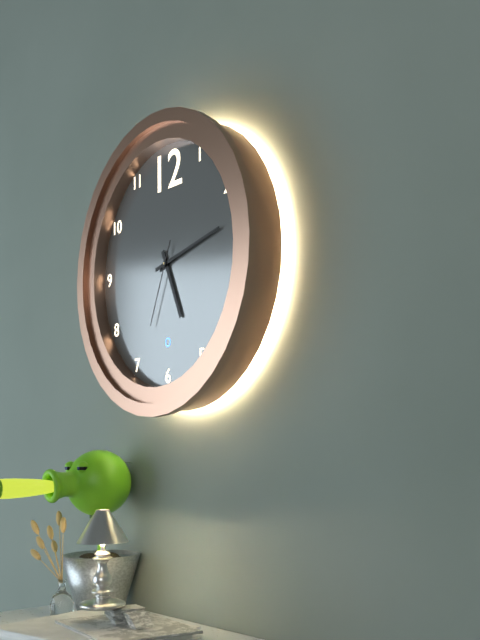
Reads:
5,13,34
